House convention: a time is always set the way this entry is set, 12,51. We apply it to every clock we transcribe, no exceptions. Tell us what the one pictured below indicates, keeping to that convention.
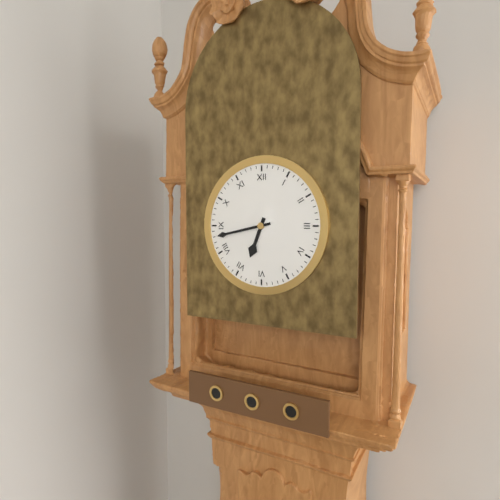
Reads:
6,43
